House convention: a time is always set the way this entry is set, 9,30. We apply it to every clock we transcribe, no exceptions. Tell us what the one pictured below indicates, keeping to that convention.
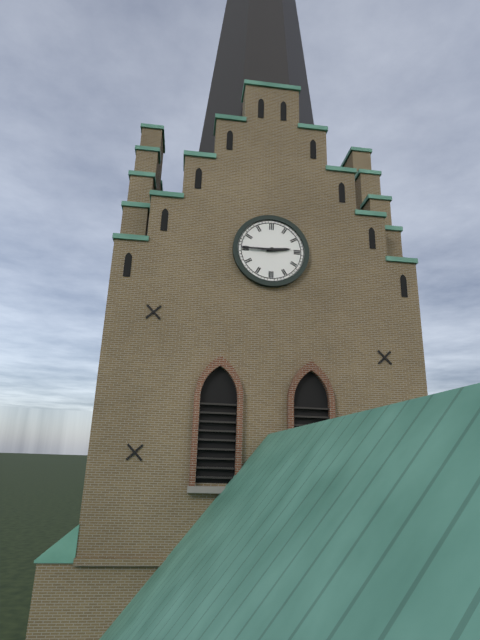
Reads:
2,45
